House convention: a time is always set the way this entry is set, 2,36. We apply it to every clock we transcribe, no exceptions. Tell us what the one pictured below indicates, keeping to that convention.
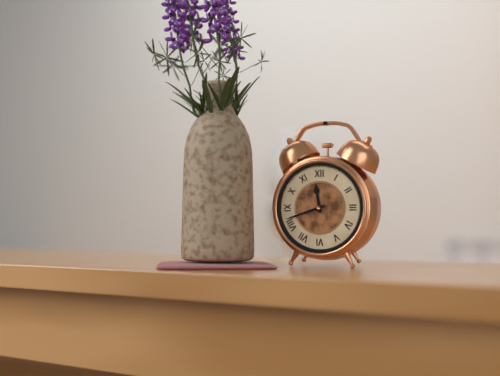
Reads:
11,42
